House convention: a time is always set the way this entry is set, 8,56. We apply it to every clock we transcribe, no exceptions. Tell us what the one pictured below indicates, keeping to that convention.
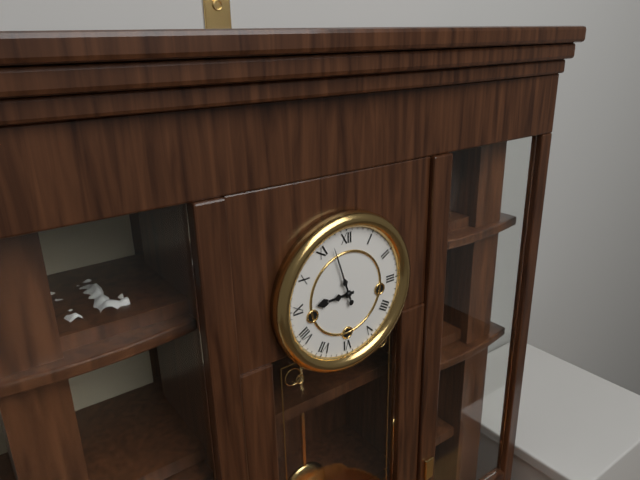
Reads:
8,57
